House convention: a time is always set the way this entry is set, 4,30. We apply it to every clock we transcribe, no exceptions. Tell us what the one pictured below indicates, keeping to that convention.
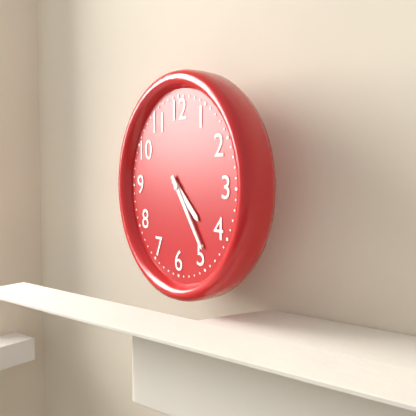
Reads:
4,24
